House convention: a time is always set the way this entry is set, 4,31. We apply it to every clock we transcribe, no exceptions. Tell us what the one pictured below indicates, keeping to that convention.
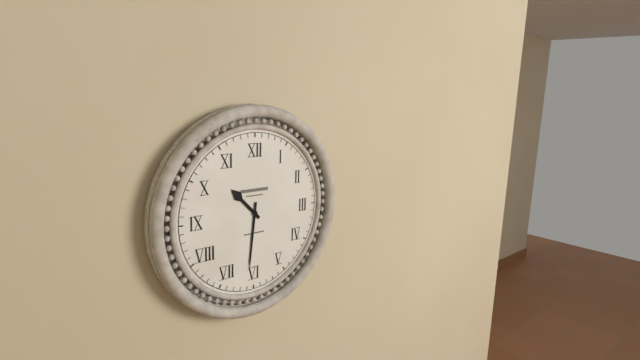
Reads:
10,31
